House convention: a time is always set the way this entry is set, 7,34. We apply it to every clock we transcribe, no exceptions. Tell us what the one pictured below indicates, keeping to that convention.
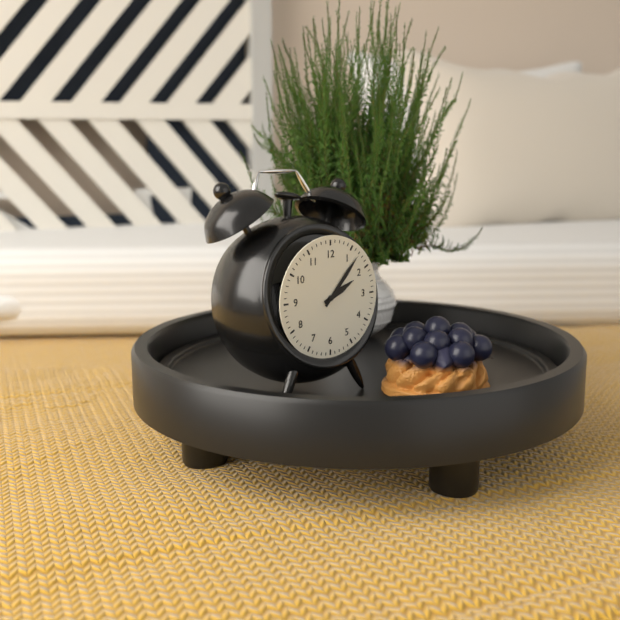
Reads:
2,07
